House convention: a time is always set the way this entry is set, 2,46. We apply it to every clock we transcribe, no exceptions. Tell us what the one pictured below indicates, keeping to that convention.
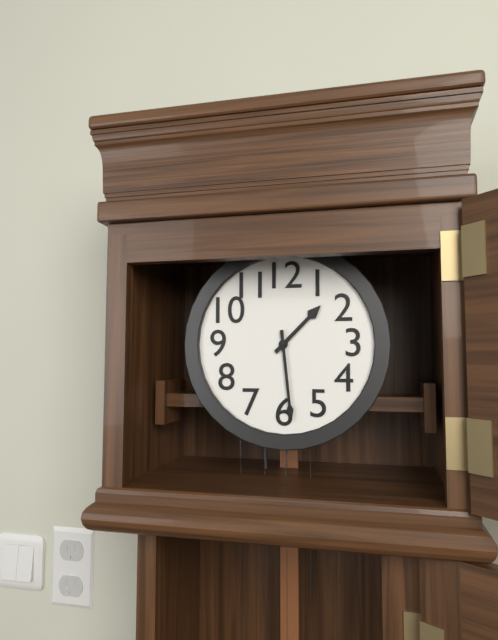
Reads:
1,29
